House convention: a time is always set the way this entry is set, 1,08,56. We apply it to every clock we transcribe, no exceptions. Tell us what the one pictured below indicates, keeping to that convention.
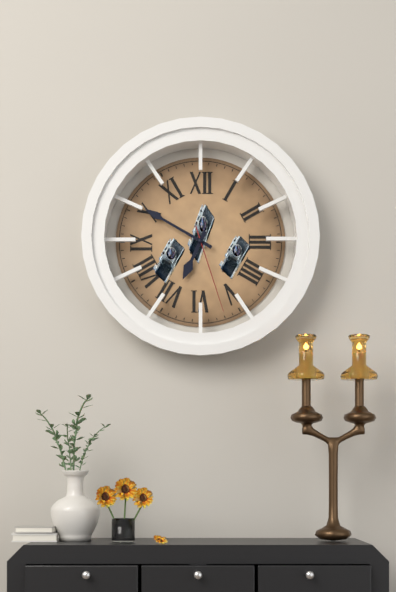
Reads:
6,50,27
